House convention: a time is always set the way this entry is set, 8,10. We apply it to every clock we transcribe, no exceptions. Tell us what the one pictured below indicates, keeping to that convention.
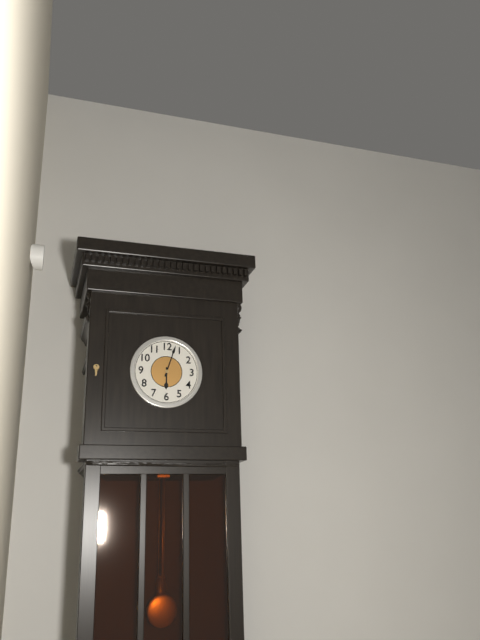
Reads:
6,03
